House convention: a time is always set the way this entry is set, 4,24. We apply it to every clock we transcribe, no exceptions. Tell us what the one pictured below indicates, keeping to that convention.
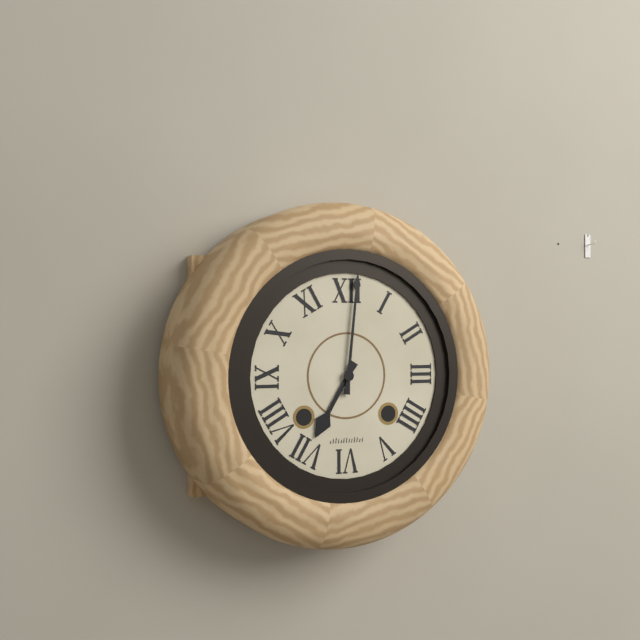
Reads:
7,01
